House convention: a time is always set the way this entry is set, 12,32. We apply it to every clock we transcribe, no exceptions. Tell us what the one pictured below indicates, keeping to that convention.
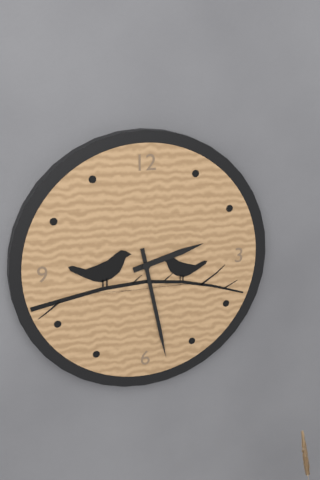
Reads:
2,28
